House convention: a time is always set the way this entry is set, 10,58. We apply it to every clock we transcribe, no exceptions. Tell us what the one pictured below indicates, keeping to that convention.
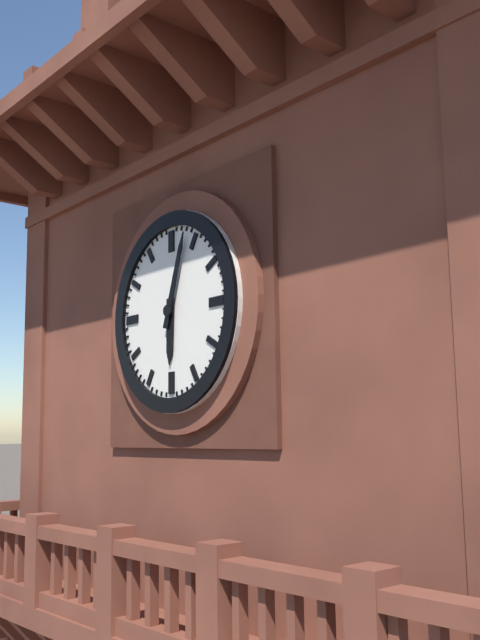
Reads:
6,03
